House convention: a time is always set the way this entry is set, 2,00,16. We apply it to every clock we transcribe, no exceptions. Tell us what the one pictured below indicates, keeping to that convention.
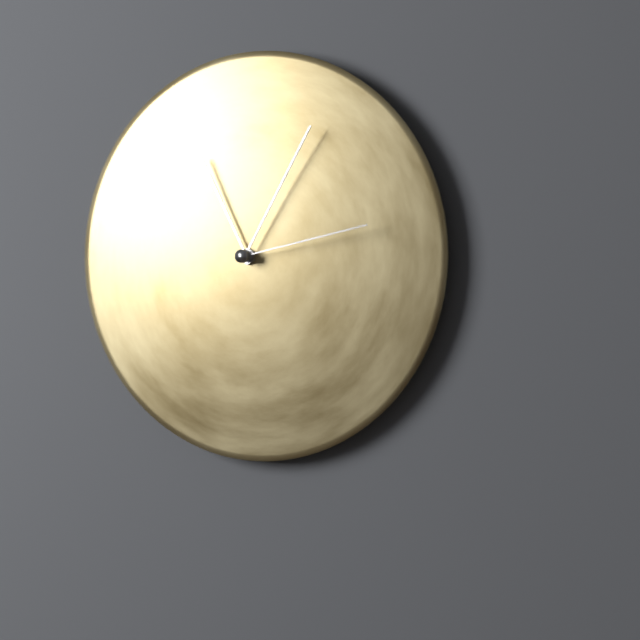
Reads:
11,05,13
